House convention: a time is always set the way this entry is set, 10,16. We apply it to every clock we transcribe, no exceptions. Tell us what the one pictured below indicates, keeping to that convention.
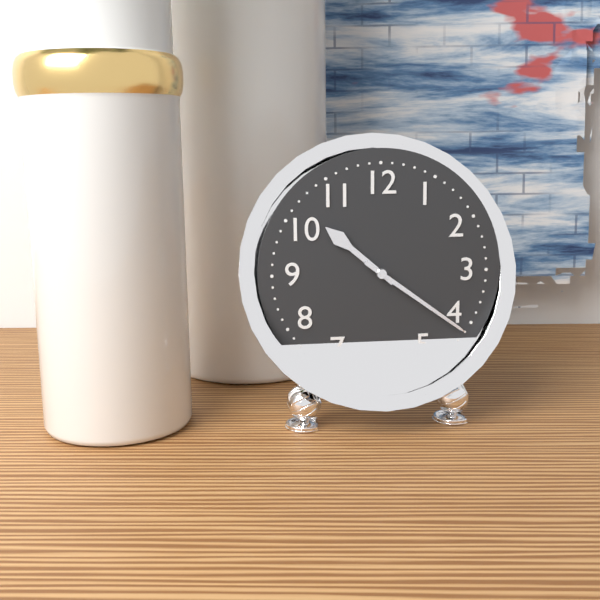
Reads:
10,21
